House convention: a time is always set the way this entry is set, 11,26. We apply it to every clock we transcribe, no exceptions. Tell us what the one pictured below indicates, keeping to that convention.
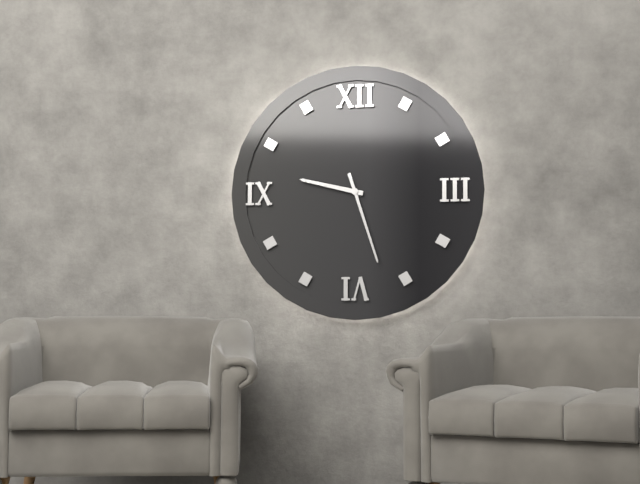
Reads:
9,27
